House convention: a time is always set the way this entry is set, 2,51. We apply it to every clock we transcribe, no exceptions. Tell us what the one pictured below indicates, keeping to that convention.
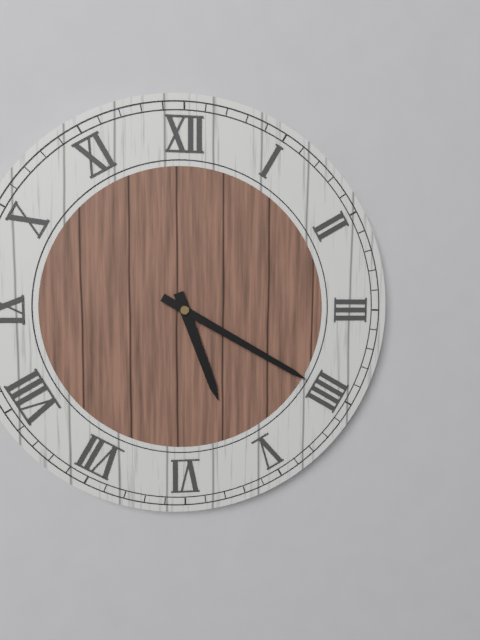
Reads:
5,20
